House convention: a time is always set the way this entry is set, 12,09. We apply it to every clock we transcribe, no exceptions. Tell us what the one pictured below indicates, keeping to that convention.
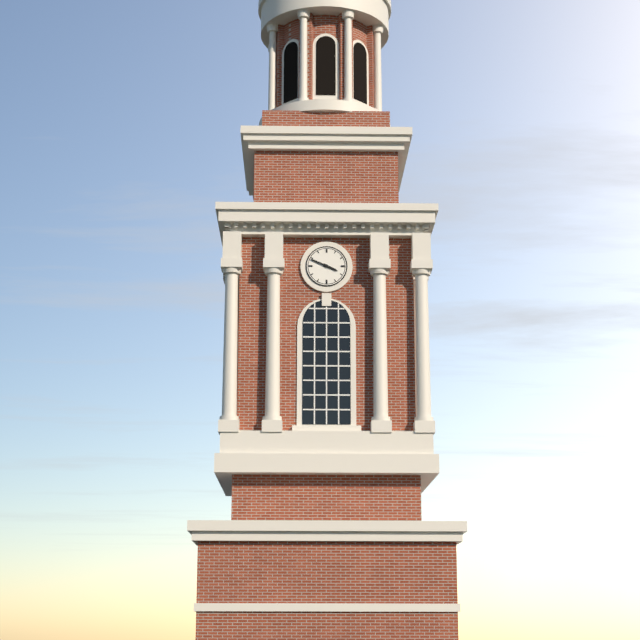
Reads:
3,49
